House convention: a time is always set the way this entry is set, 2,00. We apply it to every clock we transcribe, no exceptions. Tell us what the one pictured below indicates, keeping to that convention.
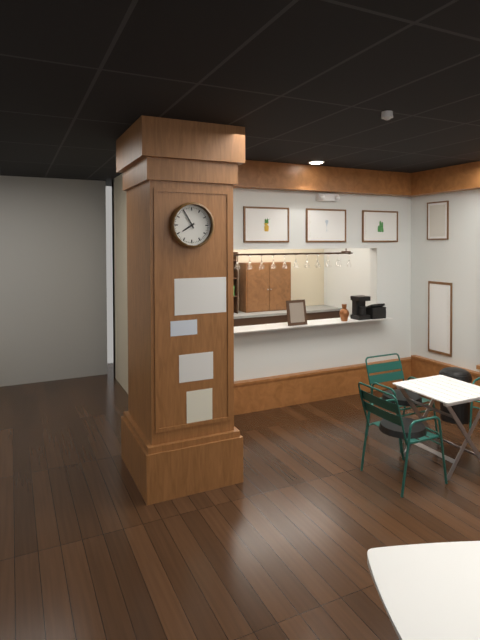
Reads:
7,55
